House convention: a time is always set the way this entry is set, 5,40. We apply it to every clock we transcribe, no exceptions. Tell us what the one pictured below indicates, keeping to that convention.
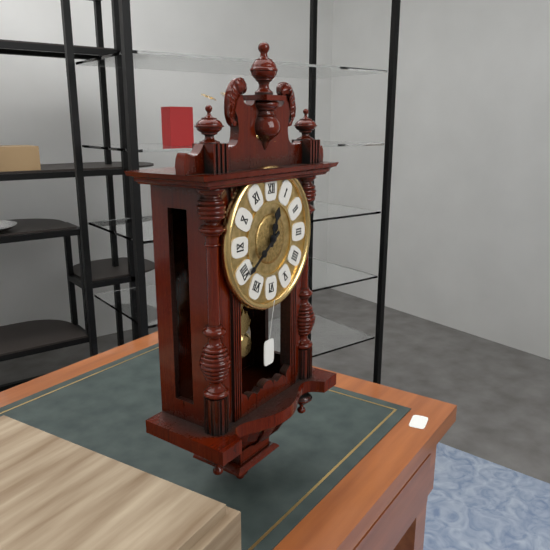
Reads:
12,39
